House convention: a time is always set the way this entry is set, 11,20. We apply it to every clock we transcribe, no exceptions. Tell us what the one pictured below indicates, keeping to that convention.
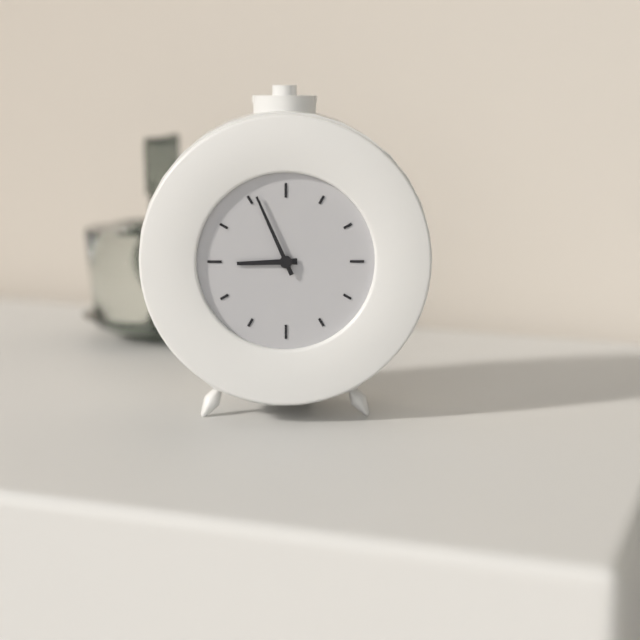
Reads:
8,56
